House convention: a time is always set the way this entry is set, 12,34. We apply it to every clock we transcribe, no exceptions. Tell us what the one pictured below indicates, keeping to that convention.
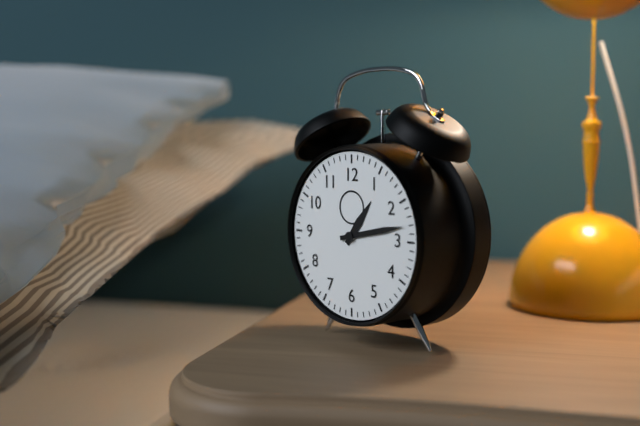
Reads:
1,13
